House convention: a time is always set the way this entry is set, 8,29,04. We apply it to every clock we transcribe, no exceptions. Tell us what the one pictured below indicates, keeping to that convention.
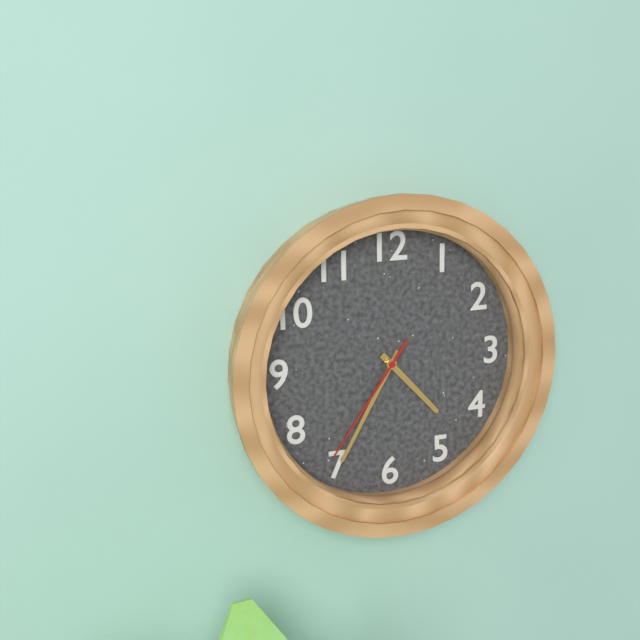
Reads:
4,35,36
